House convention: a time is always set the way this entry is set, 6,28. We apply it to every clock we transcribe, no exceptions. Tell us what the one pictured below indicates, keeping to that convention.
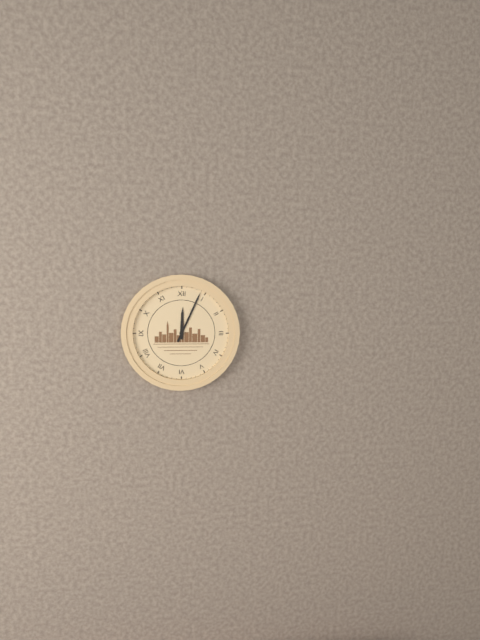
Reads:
12,04
